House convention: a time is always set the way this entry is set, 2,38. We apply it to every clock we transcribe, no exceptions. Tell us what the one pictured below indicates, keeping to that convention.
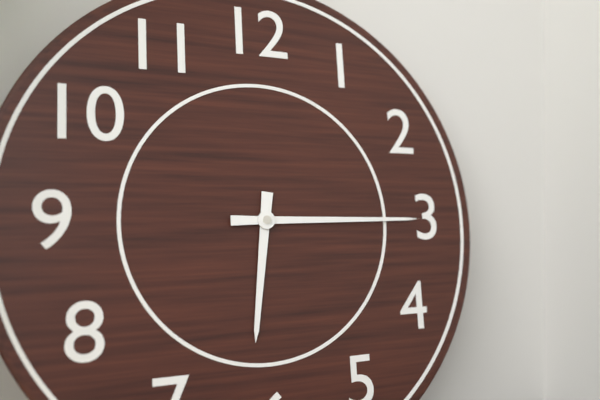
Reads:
6,15
